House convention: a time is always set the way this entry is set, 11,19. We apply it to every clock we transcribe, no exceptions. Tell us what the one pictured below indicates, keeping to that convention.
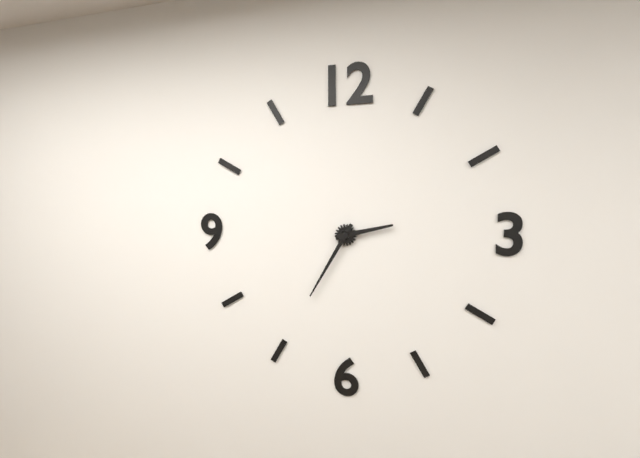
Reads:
2,35
